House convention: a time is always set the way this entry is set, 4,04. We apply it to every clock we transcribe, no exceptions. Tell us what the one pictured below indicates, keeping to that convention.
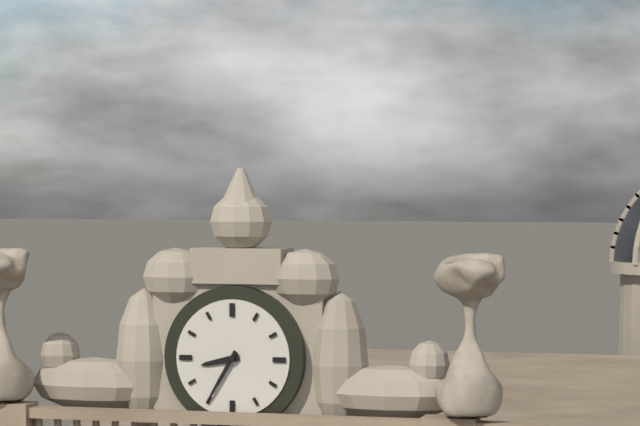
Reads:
8,35
